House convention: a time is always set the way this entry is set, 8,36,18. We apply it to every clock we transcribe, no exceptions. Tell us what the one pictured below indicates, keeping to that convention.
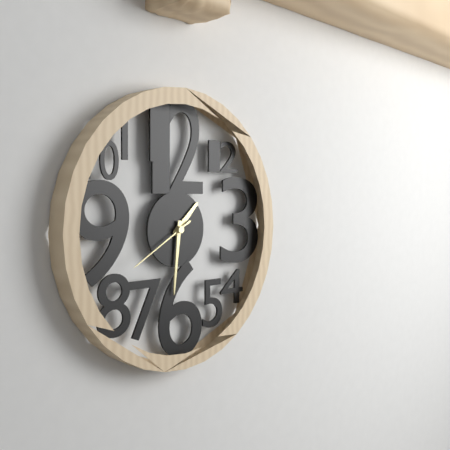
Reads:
1,31,40
